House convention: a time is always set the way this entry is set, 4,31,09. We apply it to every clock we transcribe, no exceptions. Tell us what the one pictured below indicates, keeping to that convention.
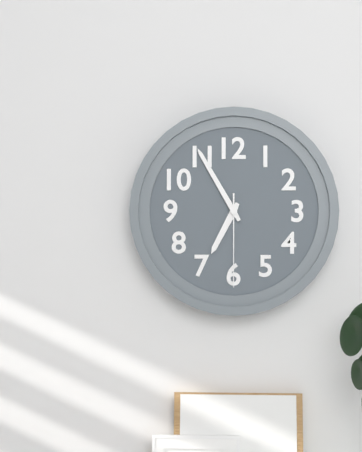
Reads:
6,55,30
